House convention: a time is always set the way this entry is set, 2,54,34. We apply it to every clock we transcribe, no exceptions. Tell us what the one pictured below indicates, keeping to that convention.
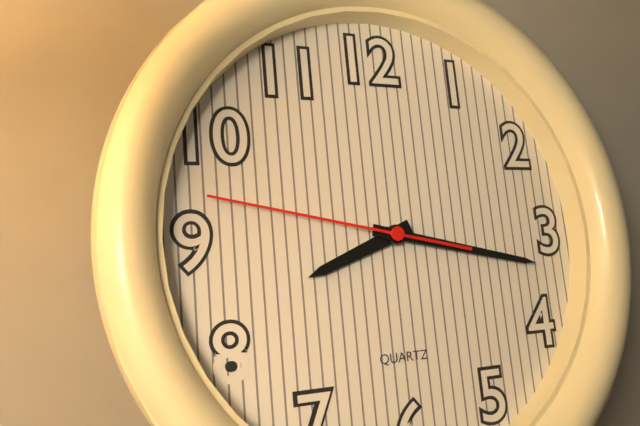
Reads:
8,17,47
